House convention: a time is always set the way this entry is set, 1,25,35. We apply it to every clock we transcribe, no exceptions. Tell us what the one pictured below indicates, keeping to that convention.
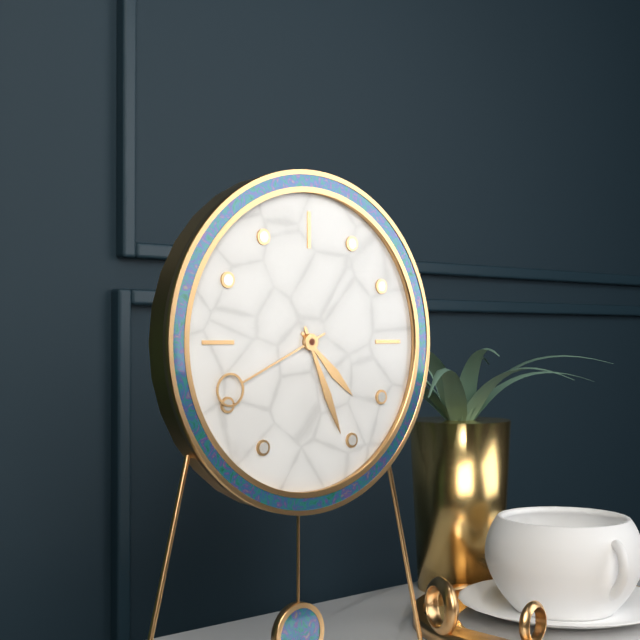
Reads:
4,26,41
